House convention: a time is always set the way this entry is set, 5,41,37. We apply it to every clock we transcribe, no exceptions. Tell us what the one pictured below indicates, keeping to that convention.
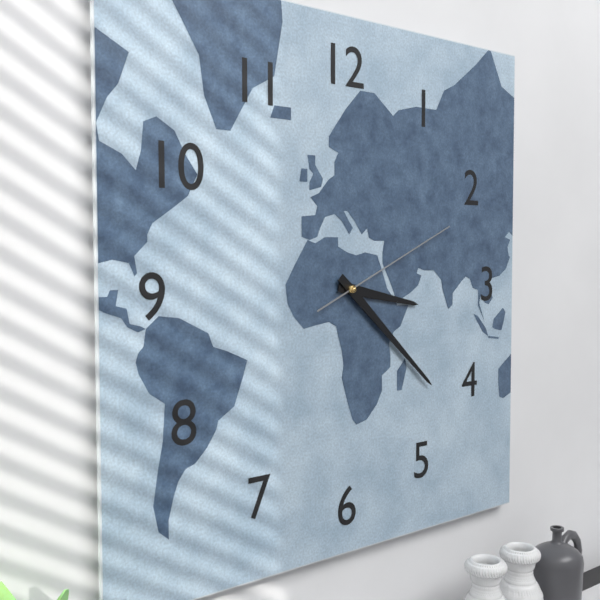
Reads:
3,22,11
